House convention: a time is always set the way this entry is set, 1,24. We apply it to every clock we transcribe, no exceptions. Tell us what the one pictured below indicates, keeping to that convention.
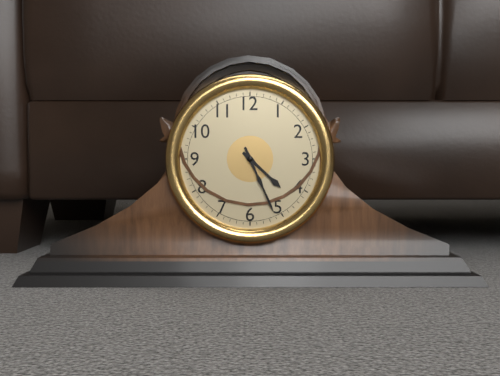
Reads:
4,26
